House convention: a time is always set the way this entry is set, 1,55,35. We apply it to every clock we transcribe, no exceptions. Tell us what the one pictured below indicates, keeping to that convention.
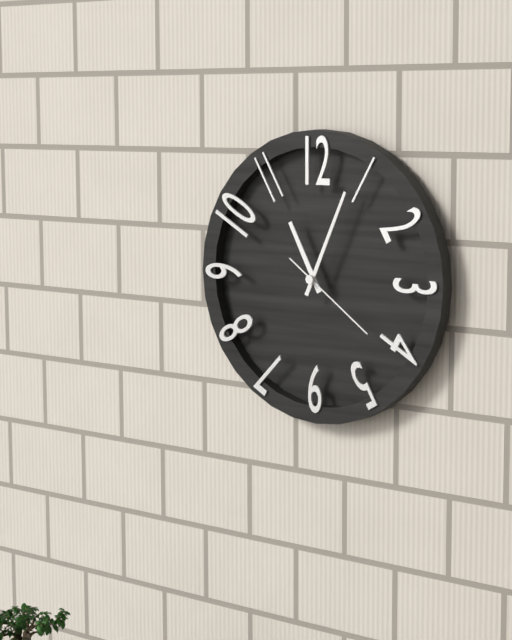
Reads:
11,04,21
